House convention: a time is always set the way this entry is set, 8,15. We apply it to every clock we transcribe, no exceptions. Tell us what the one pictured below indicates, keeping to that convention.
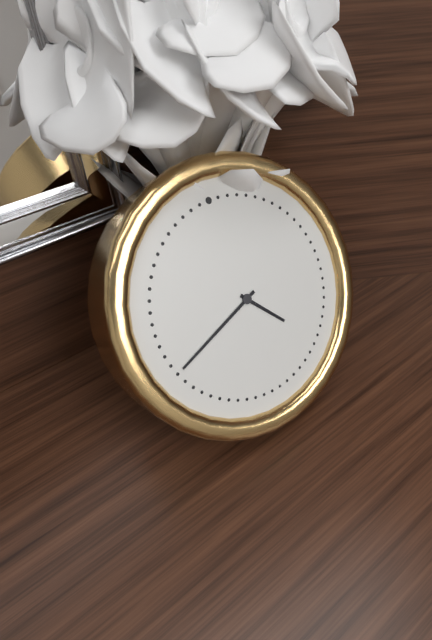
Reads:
4,42
